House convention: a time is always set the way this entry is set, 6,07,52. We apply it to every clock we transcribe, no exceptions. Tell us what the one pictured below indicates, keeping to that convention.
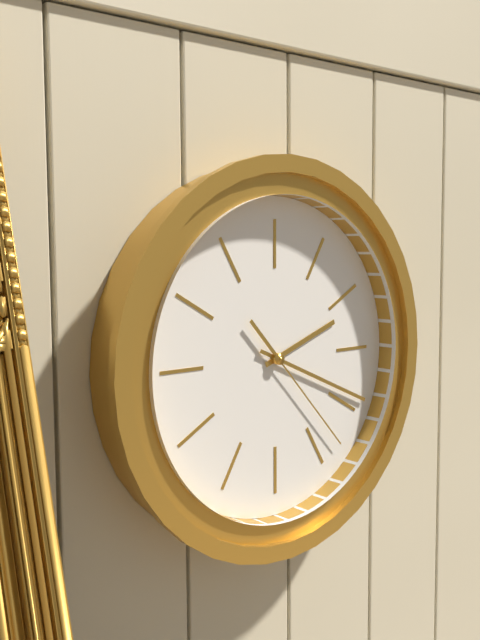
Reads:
2,19,23
